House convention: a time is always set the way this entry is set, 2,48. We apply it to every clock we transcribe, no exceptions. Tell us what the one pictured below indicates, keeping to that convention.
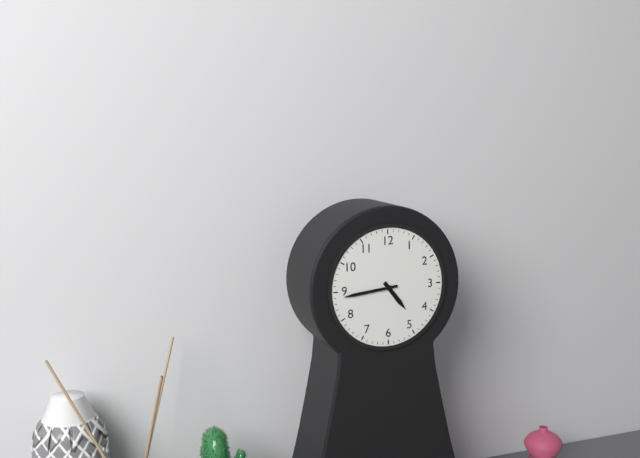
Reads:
4,44
